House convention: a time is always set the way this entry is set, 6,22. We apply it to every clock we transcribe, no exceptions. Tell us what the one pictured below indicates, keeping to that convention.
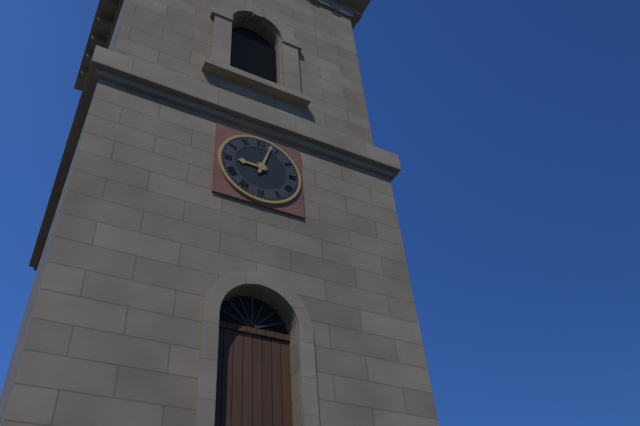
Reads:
9,03
